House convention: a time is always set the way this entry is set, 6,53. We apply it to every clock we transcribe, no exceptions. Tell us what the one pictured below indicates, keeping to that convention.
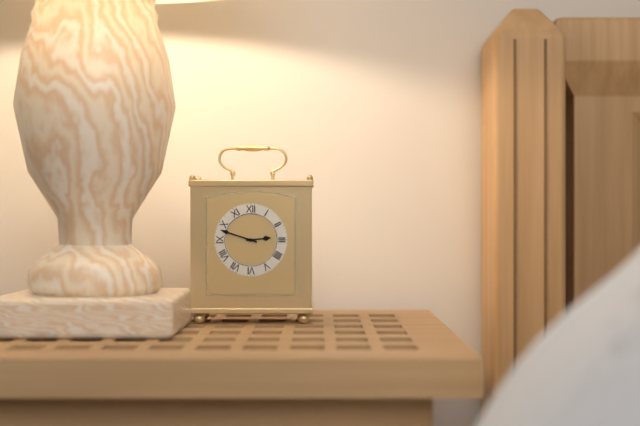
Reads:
2,48
